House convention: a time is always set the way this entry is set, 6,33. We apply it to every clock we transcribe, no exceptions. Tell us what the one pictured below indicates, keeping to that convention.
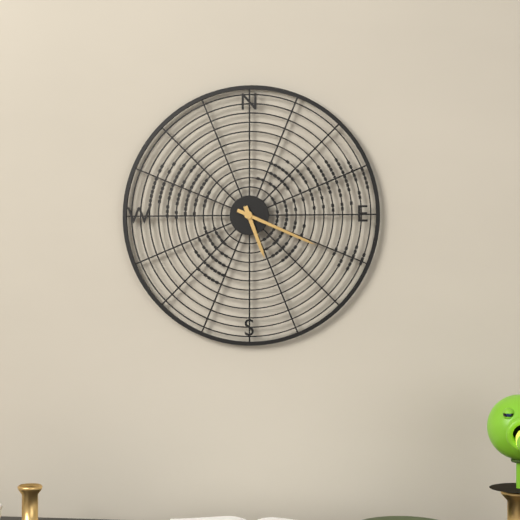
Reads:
5,19
